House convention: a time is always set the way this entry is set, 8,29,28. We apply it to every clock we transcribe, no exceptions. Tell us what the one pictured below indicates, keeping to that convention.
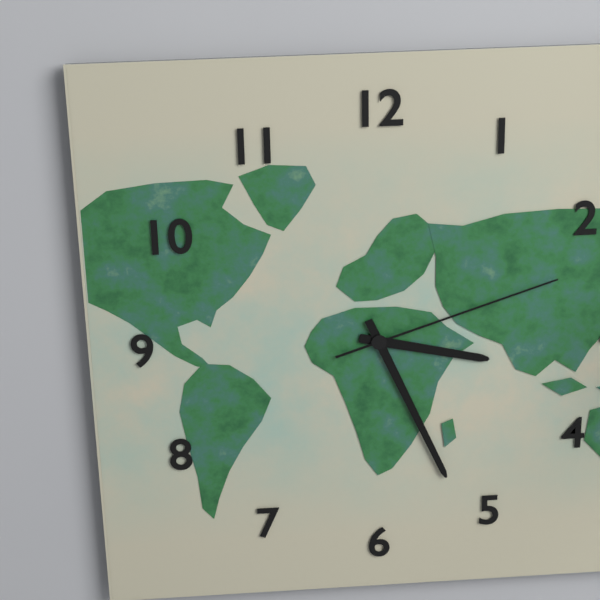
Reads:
3,26,12
